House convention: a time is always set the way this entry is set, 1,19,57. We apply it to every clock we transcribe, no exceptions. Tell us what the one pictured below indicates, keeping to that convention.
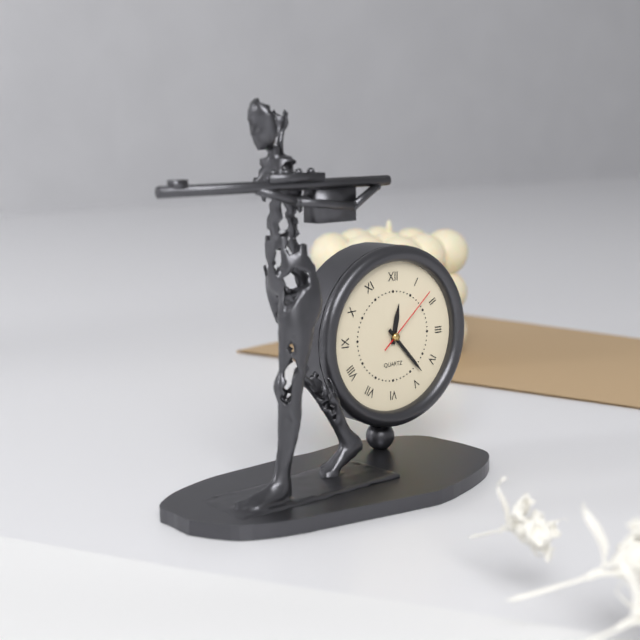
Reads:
12,23,08
